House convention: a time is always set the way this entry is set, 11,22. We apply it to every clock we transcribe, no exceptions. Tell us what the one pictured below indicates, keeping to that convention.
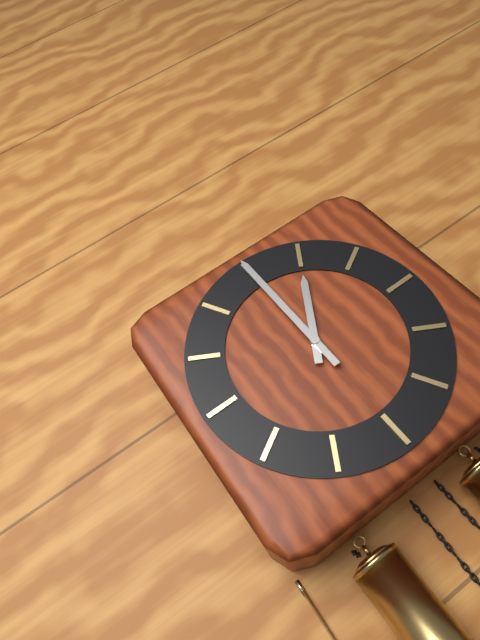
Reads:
1,00
